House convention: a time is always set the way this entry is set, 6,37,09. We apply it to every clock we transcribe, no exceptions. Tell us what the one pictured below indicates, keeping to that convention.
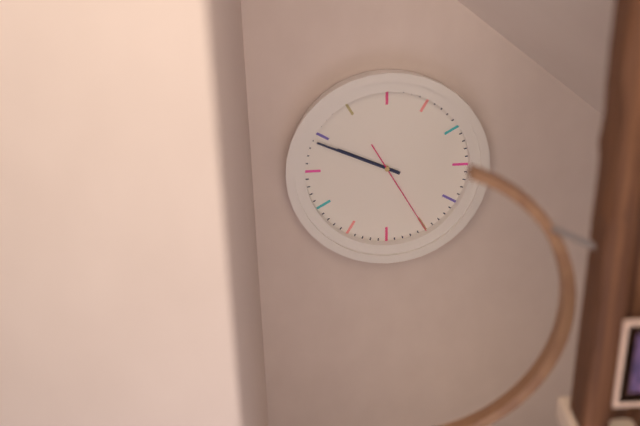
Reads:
9,49,25
